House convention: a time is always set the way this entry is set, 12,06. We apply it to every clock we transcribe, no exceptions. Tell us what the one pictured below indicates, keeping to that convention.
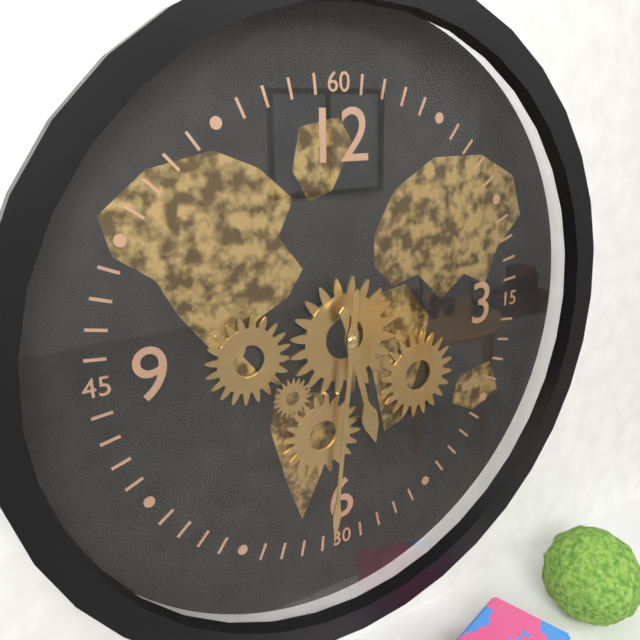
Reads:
5,31
